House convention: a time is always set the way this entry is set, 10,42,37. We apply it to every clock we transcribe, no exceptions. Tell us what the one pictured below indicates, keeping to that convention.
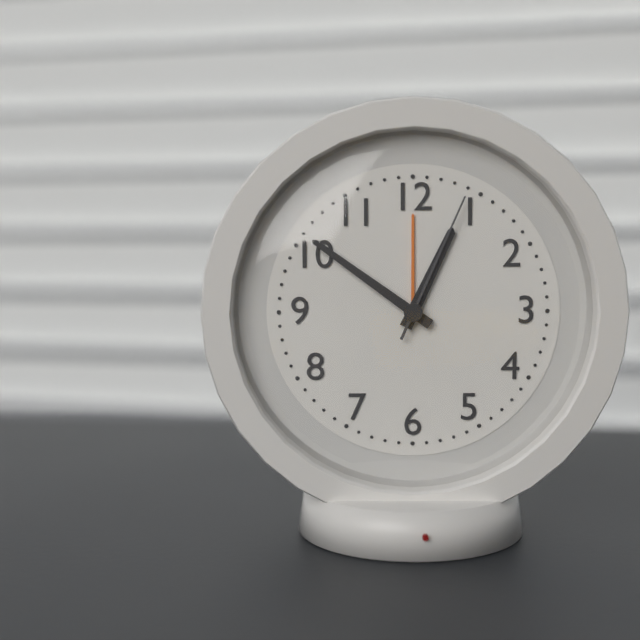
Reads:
12,51,04
